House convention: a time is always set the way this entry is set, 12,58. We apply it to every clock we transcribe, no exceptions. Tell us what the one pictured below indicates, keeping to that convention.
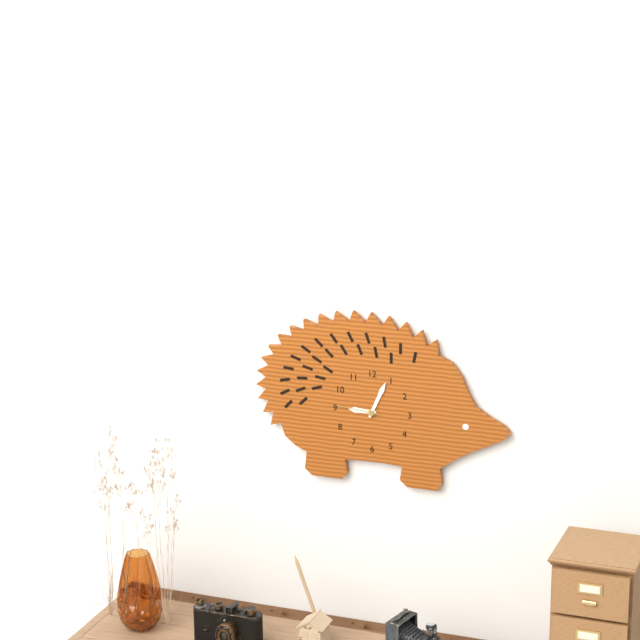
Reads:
9,04
